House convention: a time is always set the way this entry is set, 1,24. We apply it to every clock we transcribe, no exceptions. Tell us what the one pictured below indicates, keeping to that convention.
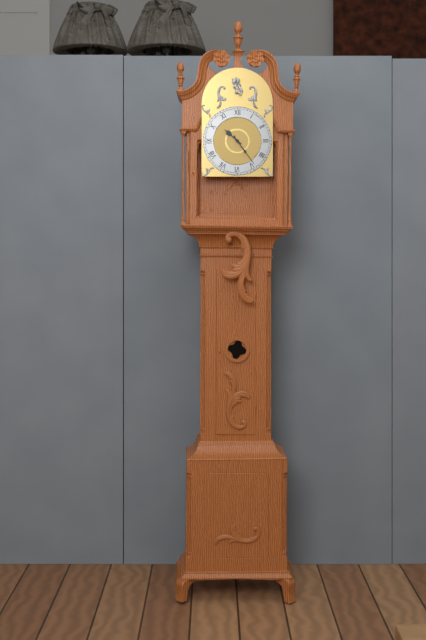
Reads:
10,24
